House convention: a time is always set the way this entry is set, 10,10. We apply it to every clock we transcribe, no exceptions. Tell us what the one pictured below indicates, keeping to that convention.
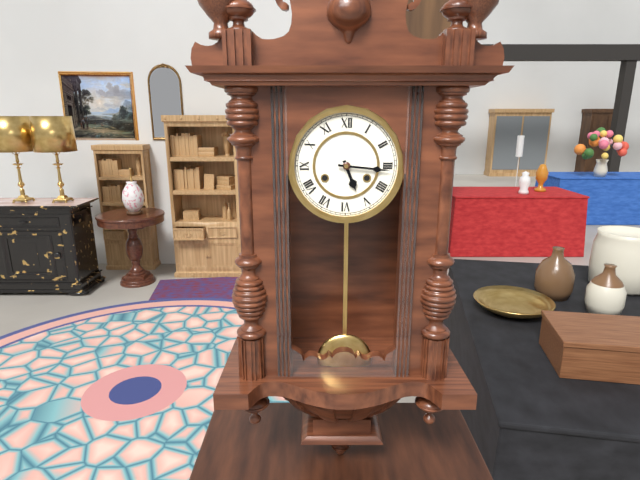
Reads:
5,16
